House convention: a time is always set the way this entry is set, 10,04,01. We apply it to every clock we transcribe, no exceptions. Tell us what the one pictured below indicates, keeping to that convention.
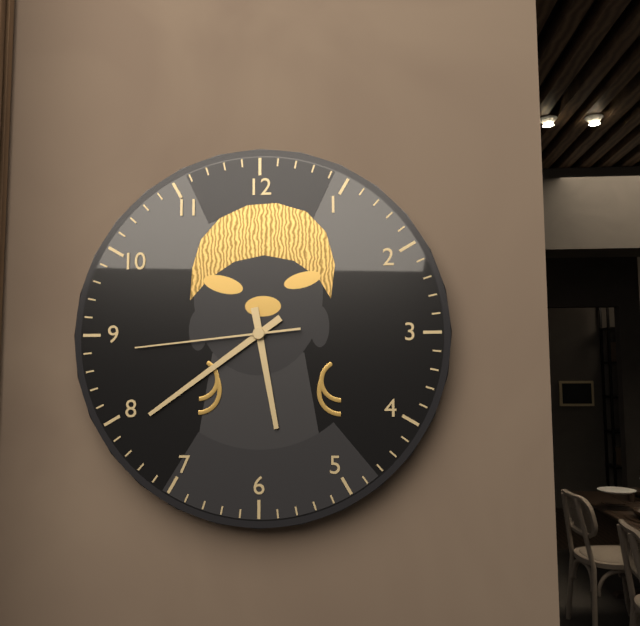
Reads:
5,39,44
